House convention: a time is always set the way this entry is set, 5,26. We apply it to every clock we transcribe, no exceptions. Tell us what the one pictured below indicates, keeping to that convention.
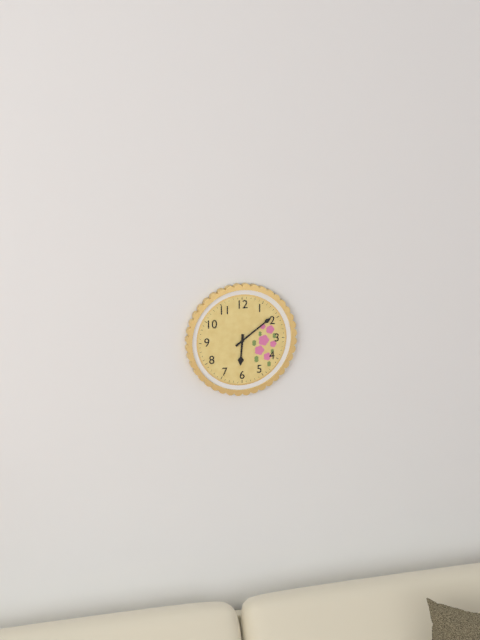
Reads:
6,09
